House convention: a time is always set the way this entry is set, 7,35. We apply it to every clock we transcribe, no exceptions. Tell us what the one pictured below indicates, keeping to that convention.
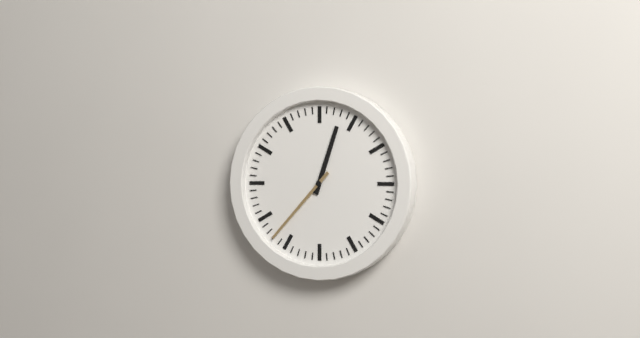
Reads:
12,37
